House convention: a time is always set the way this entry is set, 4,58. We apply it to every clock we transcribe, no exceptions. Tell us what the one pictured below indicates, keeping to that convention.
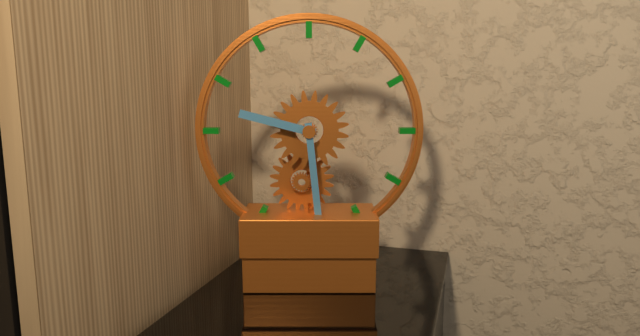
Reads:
9,29
